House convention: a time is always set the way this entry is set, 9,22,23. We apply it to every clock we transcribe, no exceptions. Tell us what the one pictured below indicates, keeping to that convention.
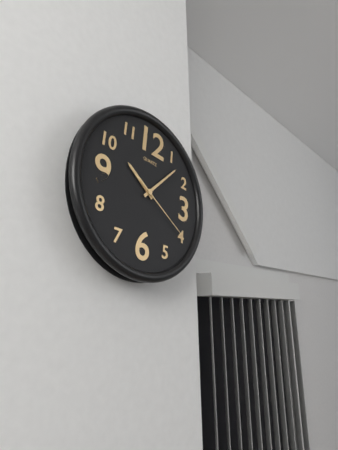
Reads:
10,07,20
